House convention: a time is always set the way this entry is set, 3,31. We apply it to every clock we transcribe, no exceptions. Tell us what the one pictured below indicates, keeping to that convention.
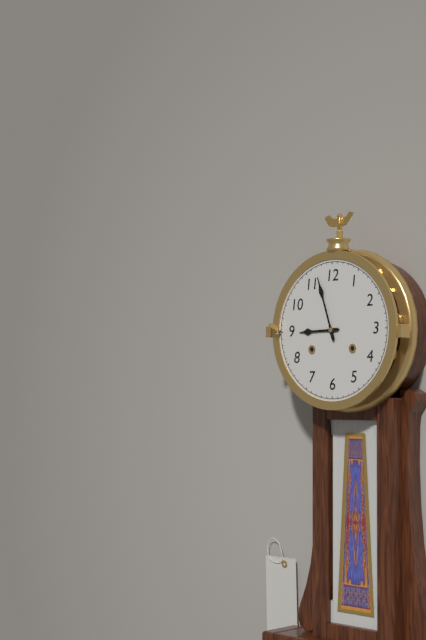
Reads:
8,57
